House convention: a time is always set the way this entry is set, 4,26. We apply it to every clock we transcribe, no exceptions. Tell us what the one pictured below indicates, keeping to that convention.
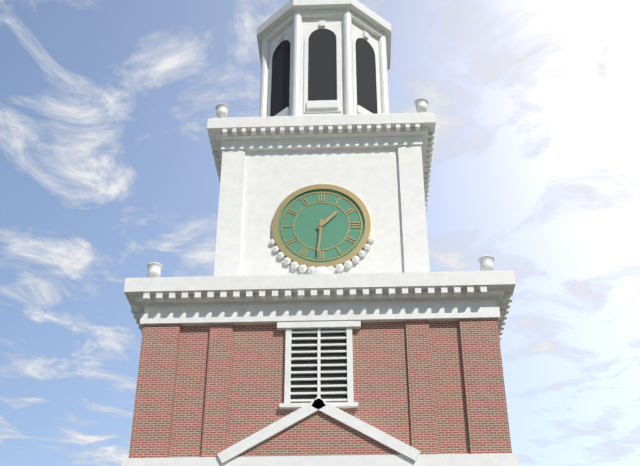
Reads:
1,31
